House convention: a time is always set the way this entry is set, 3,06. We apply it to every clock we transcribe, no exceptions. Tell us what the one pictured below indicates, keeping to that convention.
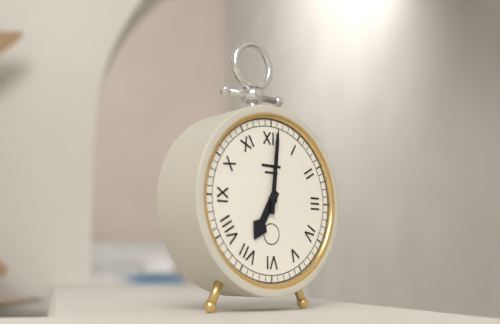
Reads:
7,01
